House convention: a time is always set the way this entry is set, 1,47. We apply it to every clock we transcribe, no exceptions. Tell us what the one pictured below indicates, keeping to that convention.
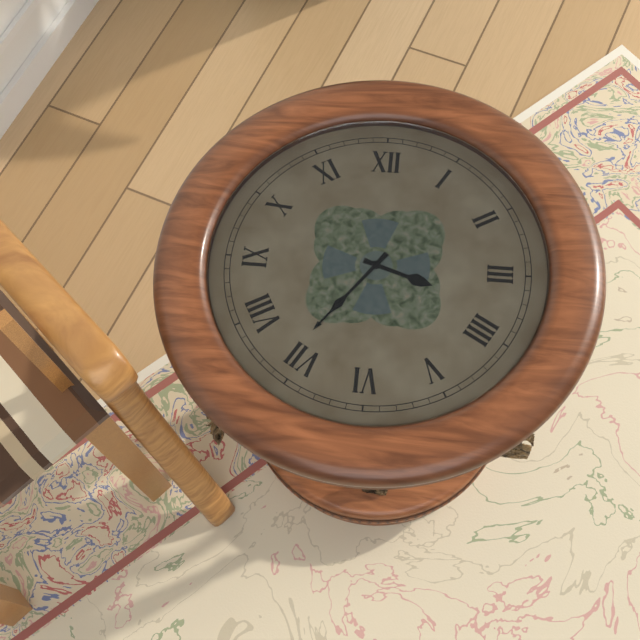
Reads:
3,36
